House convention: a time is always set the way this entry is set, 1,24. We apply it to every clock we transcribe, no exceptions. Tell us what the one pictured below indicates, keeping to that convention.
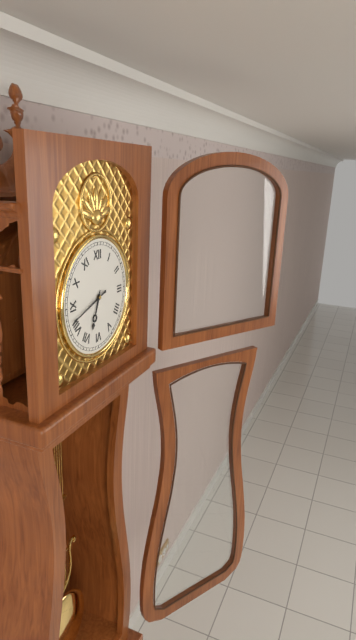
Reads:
6,42
